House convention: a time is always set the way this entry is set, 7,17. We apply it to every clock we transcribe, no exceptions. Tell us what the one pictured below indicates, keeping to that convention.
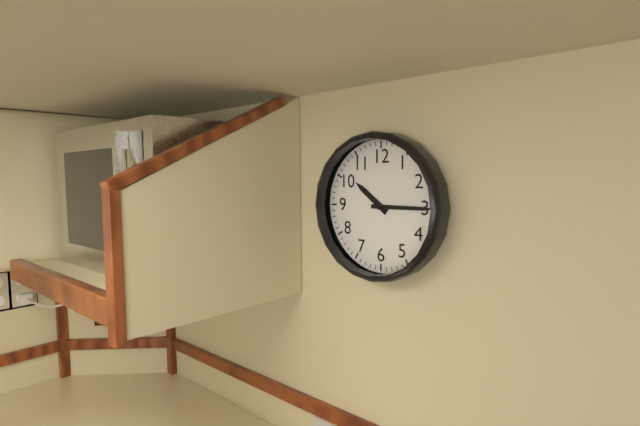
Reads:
10,15
